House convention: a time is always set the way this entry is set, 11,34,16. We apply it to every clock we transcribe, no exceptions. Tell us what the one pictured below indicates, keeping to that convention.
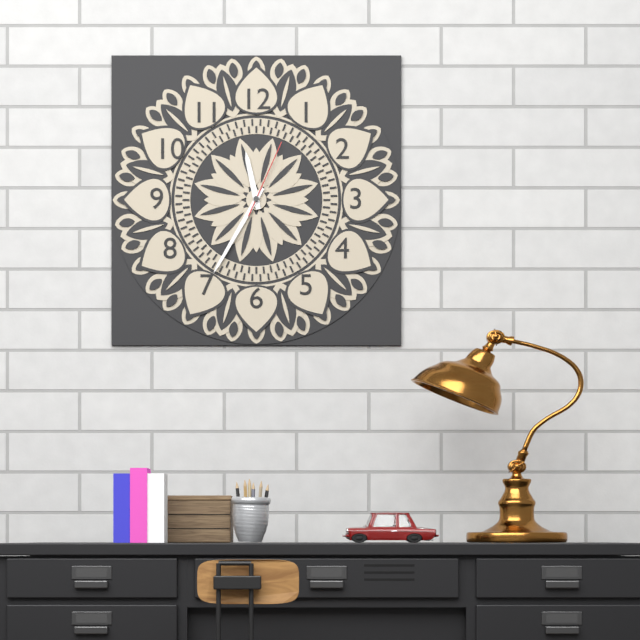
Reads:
11,35,04
